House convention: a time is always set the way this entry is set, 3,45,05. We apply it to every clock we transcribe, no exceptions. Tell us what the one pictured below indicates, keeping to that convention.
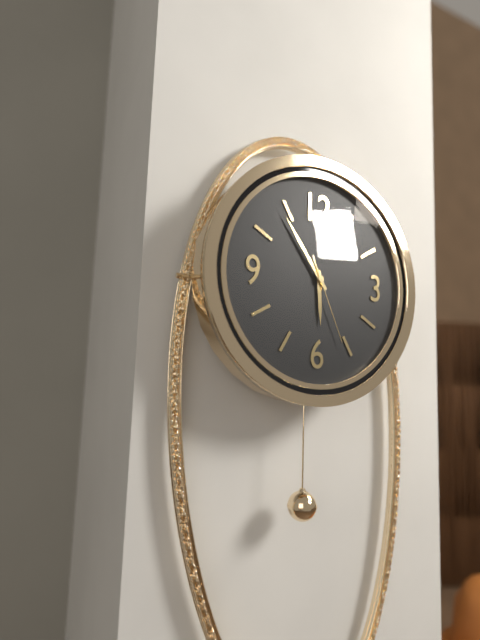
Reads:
5,54,26
